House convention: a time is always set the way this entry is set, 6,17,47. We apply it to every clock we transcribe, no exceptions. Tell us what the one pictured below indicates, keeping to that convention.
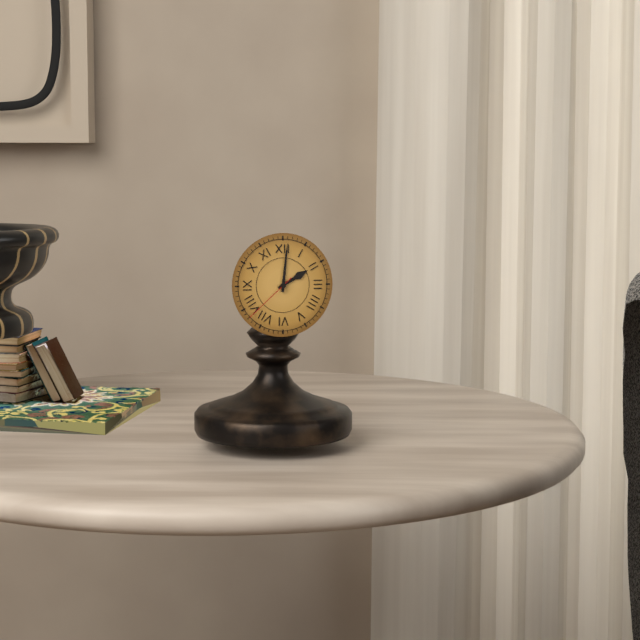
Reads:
2,01,38
